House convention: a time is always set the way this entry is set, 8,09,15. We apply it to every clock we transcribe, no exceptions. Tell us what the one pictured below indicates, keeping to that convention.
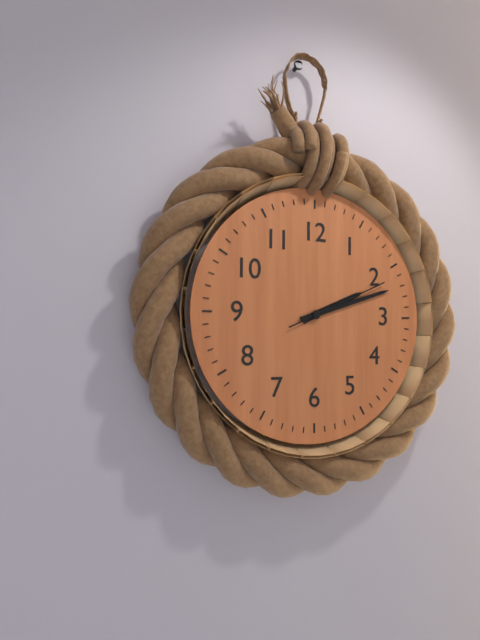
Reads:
2,12,11
